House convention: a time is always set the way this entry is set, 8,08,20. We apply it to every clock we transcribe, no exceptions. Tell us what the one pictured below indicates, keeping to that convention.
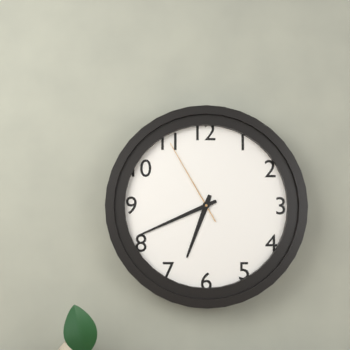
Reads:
6,41,55
